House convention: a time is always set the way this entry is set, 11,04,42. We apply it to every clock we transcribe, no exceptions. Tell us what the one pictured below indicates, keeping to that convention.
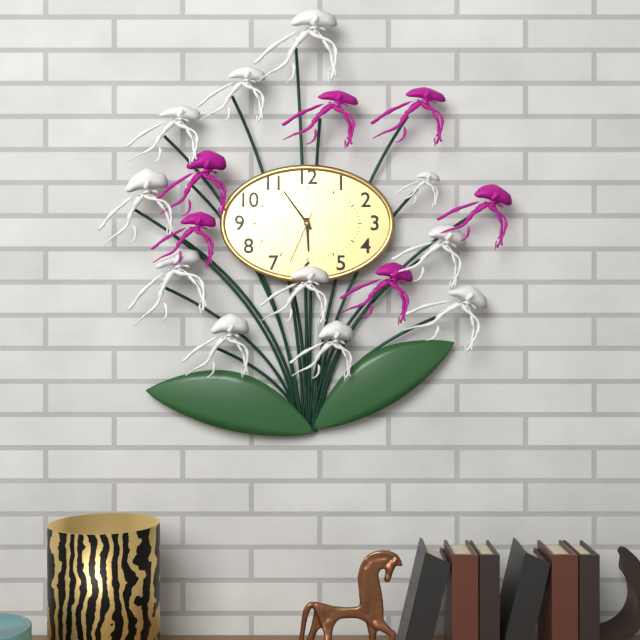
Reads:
5,54,34
